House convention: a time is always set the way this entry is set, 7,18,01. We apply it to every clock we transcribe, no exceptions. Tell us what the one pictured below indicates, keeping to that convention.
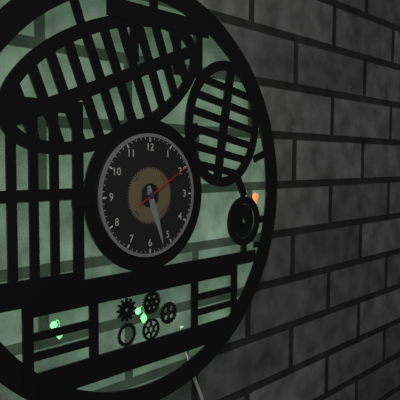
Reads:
5,27,10
